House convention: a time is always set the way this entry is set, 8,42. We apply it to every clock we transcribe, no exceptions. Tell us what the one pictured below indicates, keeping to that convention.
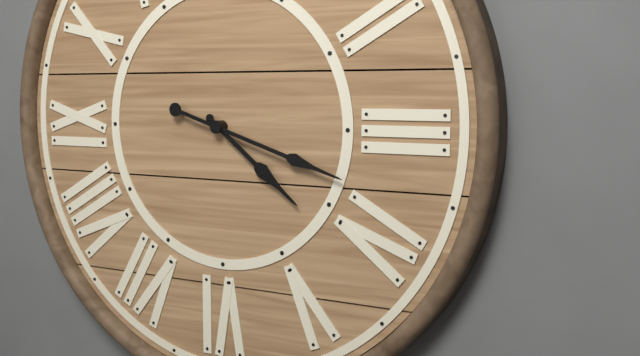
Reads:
4,18
